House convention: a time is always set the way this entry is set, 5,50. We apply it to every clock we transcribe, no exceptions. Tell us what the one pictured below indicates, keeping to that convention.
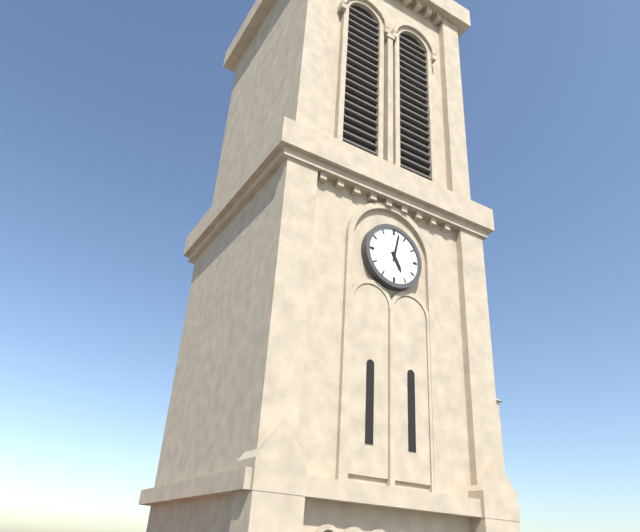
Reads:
5,02
